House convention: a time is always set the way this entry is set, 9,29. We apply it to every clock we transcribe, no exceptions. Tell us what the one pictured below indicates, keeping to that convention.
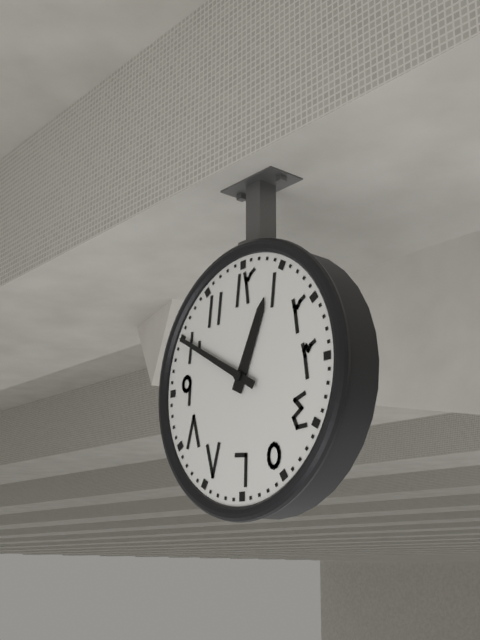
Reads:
12,50
